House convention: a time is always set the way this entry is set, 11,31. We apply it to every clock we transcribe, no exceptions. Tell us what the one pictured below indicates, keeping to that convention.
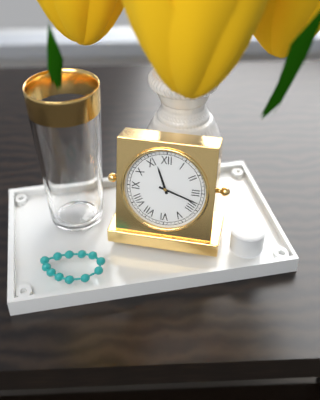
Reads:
11,18
